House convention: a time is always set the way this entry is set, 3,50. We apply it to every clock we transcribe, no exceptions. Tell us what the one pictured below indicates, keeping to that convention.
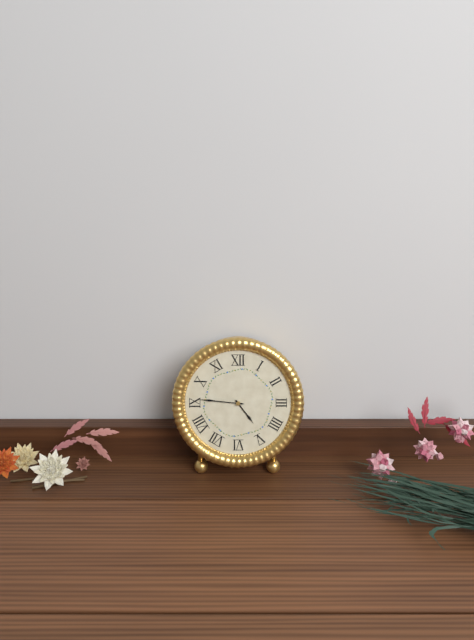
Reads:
4,46
